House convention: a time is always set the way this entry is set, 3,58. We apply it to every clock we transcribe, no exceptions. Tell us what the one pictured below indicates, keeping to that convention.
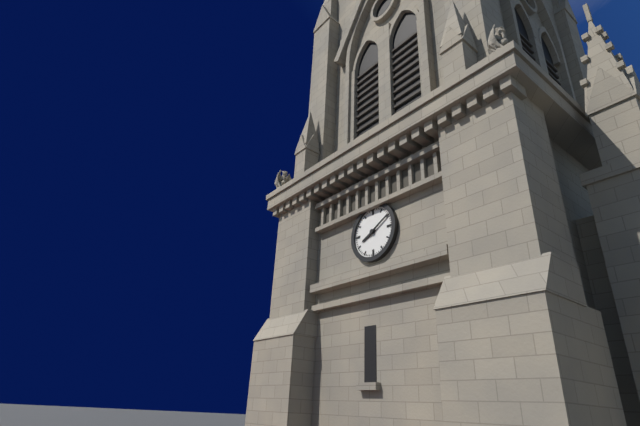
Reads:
8,10
